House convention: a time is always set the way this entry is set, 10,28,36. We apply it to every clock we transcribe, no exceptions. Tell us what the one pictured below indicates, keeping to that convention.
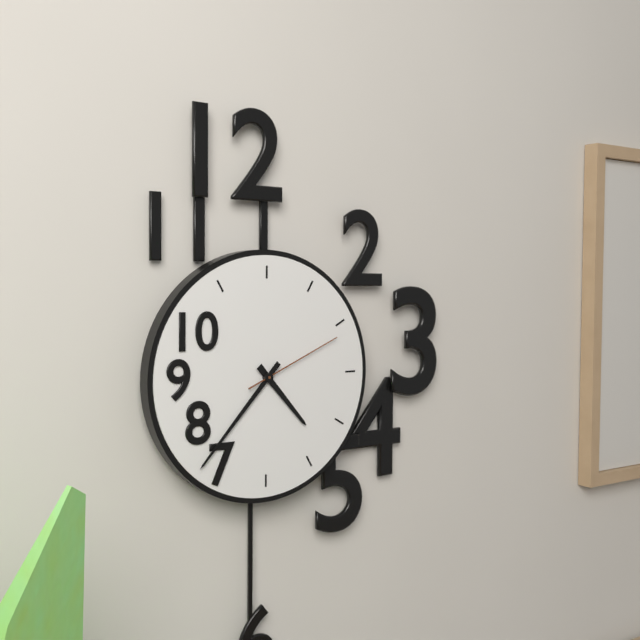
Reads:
4,37,11
